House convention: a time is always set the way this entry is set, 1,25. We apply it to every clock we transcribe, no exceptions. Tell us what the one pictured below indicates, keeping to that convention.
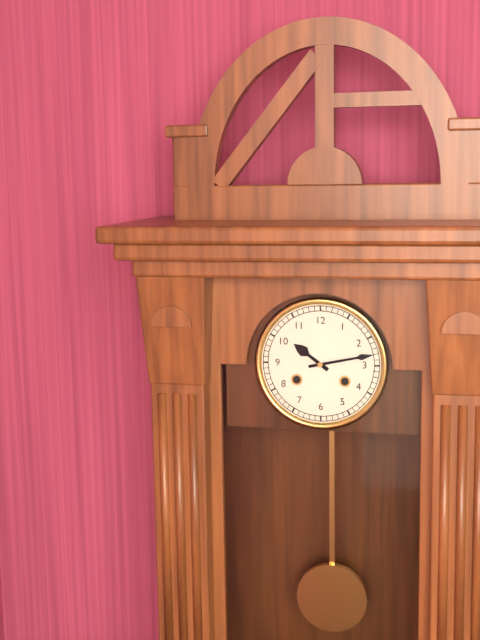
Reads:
10,13
